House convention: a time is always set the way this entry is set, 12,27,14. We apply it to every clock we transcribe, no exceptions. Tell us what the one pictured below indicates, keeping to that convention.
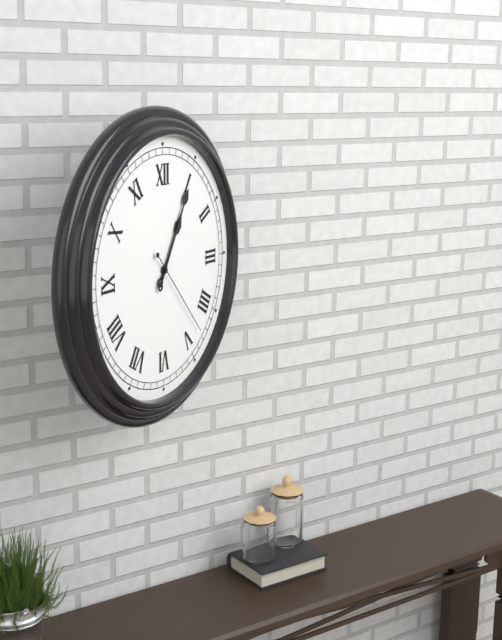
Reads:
1,05,23
